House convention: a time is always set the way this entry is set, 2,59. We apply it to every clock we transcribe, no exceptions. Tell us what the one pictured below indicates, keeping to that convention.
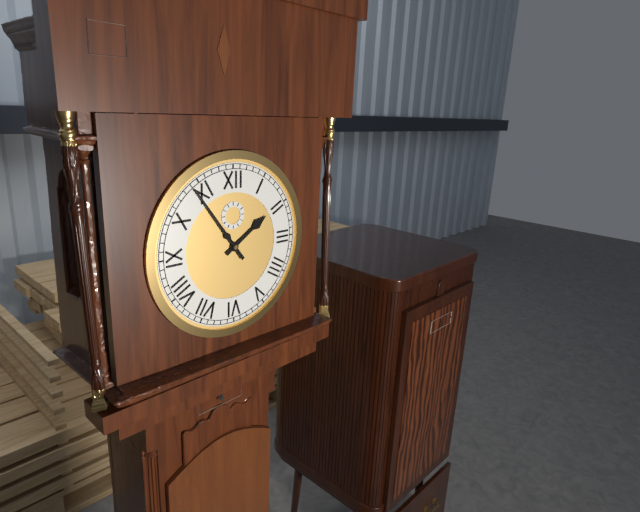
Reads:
1,54
